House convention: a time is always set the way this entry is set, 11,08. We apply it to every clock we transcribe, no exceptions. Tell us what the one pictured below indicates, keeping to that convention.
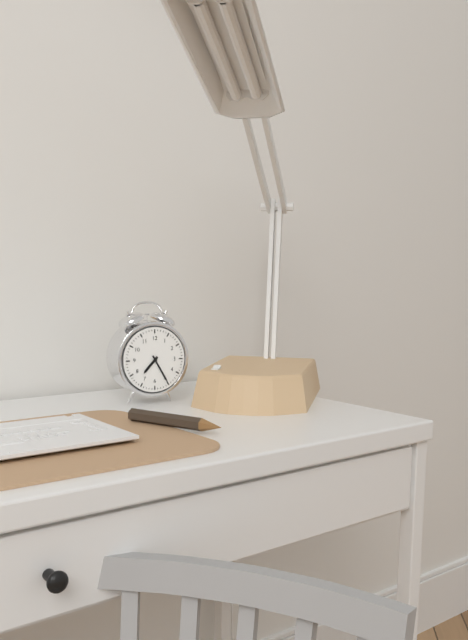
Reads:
7,25
